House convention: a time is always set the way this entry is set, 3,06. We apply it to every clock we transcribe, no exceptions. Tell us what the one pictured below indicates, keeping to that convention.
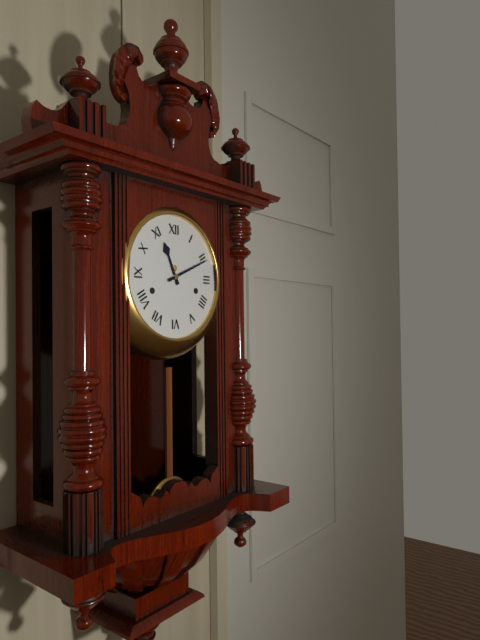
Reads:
11,11
